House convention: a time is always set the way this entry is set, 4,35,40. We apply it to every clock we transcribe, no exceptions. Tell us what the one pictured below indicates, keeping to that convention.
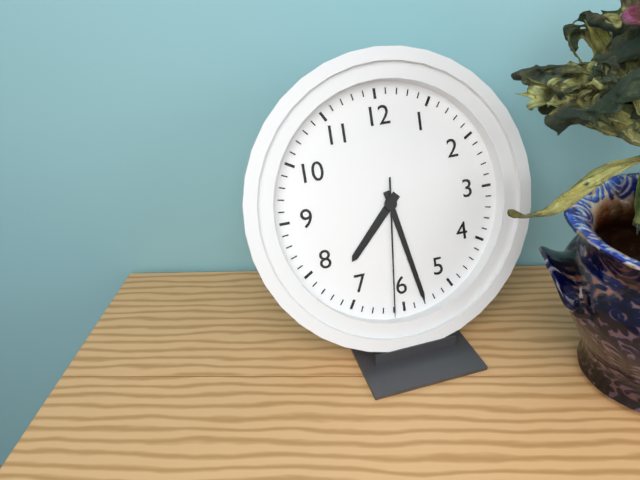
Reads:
7,28,31
